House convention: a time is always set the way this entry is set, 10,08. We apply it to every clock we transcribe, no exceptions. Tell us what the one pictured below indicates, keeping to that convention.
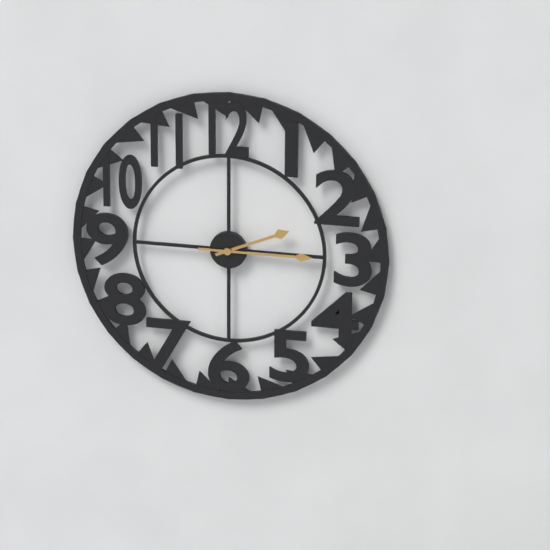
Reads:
2,15
